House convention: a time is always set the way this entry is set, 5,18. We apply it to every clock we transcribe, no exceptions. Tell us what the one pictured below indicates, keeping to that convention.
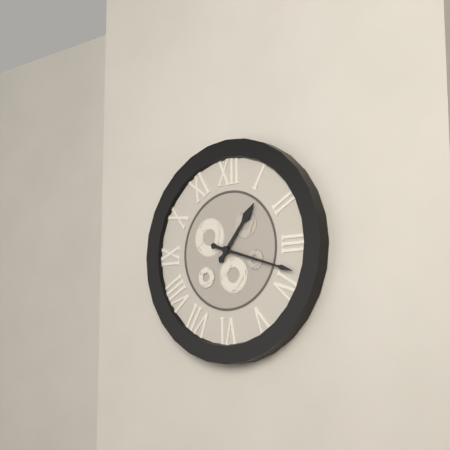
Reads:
1,18
